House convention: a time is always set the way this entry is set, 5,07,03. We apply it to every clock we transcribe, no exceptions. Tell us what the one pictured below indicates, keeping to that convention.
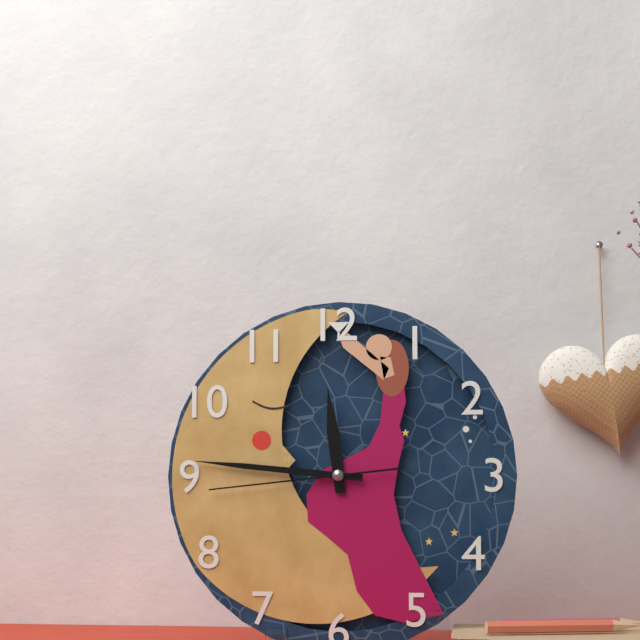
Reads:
11,46,44
